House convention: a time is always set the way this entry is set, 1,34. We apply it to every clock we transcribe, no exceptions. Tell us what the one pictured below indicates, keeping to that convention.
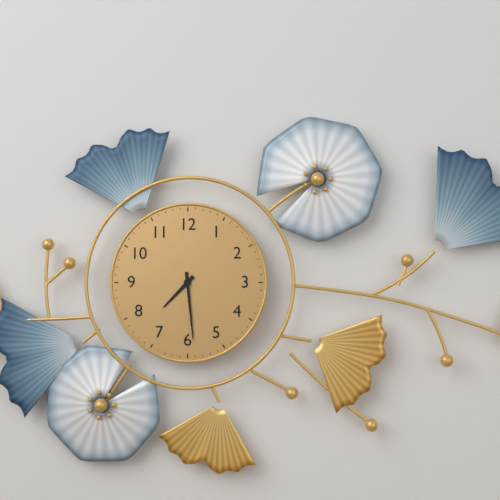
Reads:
7,29
